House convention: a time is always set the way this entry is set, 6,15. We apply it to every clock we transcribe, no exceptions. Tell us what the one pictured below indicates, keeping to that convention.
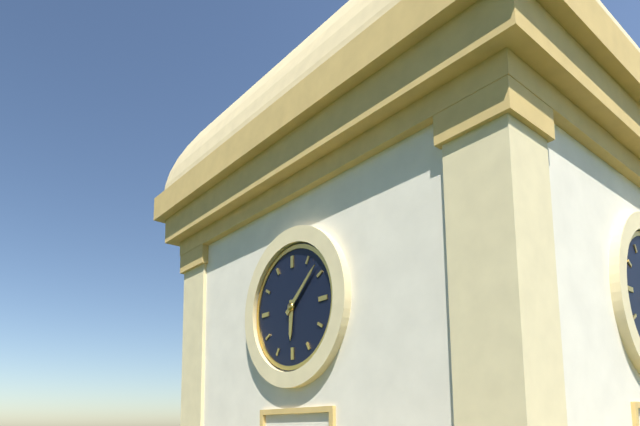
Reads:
6,08
